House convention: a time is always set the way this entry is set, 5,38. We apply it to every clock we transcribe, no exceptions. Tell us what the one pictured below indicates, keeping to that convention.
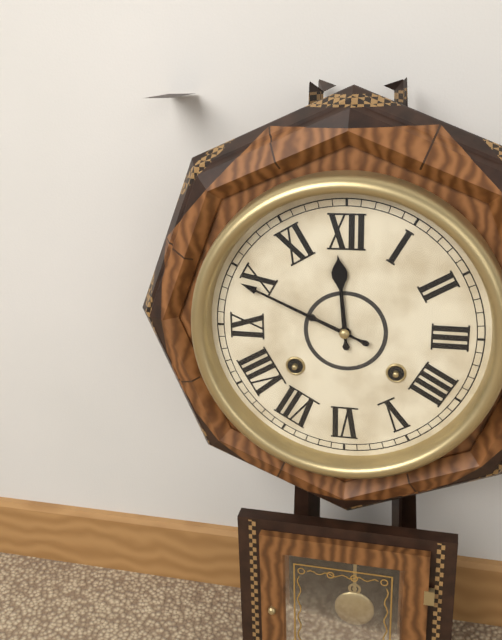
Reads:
11,49
